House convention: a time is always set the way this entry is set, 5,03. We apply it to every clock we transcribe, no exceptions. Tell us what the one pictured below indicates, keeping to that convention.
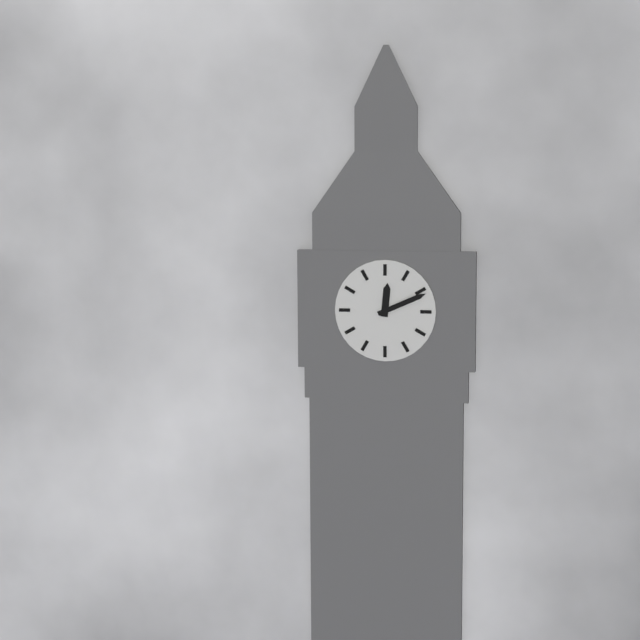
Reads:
12,11
